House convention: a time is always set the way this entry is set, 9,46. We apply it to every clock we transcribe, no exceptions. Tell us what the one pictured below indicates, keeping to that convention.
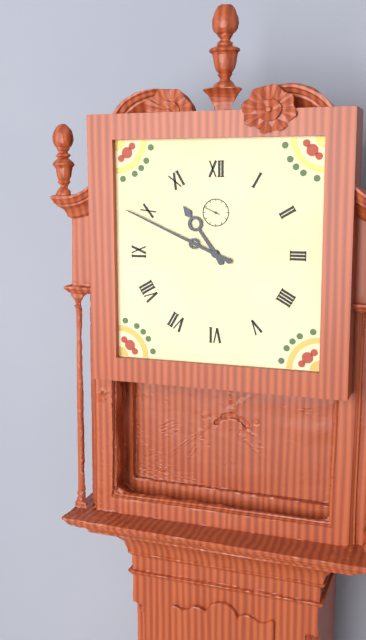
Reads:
10,49
